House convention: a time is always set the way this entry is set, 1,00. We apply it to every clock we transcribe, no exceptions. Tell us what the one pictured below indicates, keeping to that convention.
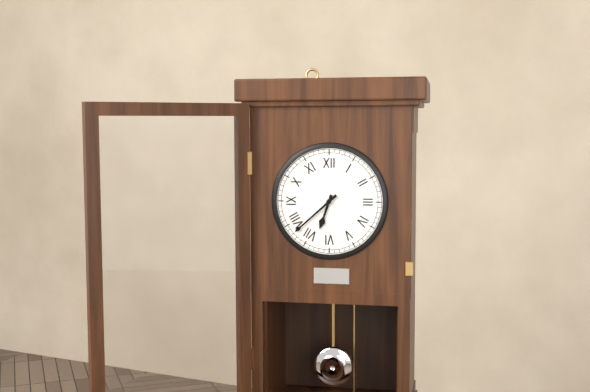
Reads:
6,38
